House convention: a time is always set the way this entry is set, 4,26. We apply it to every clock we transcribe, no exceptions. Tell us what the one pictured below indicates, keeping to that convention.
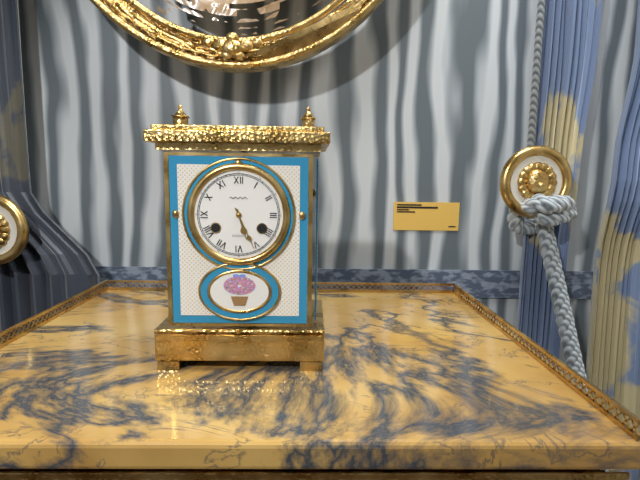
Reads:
5,26
